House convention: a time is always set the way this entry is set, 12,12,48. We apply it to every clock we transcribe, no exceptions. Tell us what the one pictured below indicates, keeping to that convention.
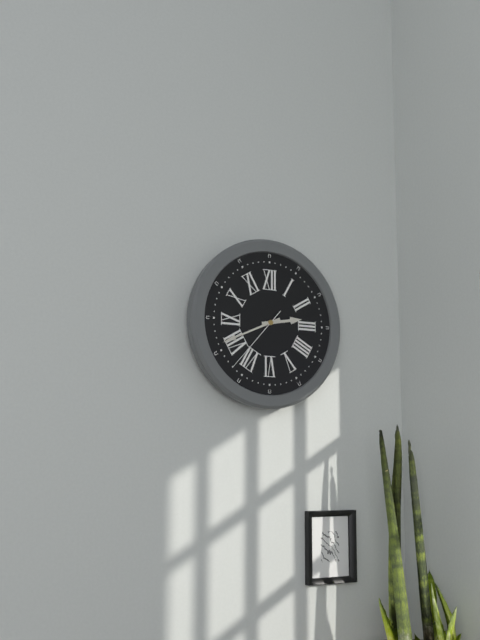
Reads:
2,41,37
